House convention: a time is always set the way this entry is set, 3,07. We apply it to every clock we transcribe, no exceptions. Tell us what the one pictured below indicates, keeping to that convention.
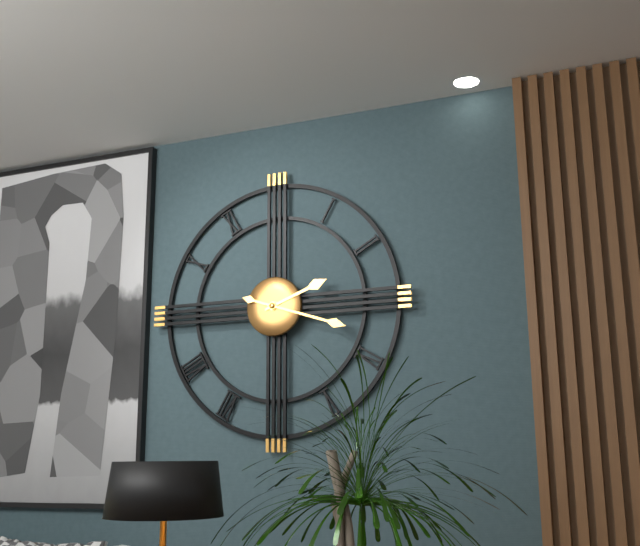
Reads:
2,18
